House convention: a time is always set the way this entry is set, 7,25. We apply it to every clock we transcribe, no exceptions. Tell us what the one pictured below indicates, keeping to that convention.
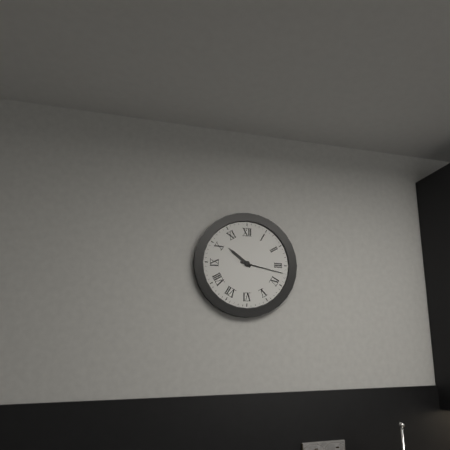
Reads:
10,17
